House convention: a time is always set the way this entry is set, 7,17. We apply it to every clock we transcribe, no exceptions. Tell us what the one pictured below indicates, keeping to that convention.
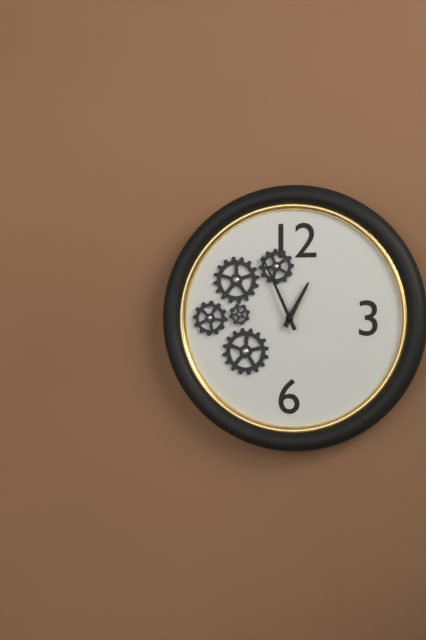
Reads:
12,56
